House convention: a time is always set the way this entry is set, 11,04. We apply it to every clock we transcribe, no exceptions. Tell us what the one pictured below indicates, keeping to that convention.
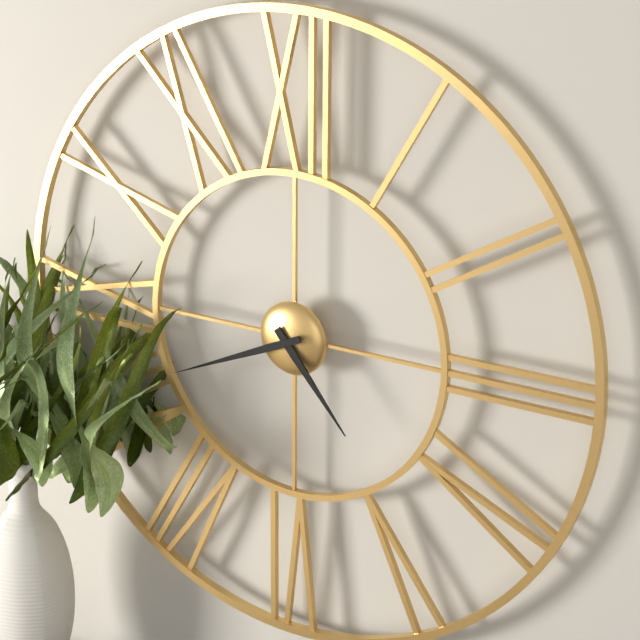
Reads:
4,41
